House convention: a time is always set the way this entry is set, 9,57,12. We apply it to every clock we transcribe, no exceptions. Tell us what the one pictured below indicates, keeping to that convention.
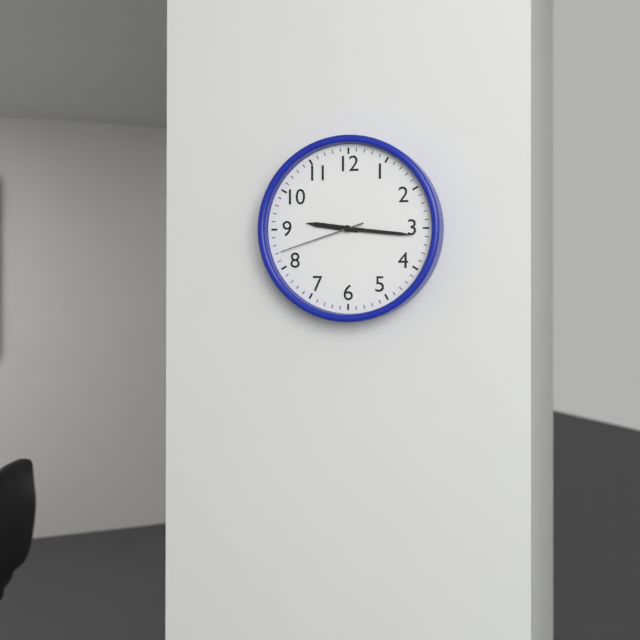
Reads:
9,16,42
